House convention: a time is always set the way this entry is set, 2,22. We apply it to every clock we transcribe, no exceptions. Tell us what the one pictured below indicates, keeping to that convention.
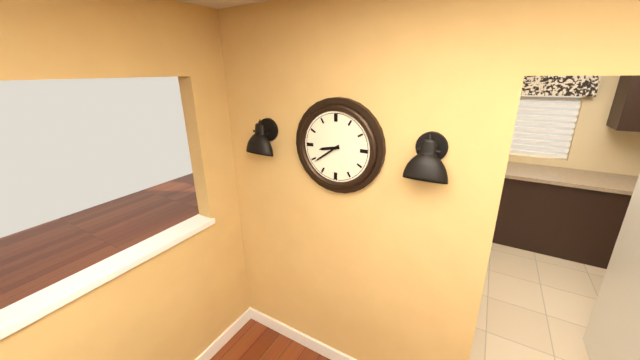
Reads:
8,39
